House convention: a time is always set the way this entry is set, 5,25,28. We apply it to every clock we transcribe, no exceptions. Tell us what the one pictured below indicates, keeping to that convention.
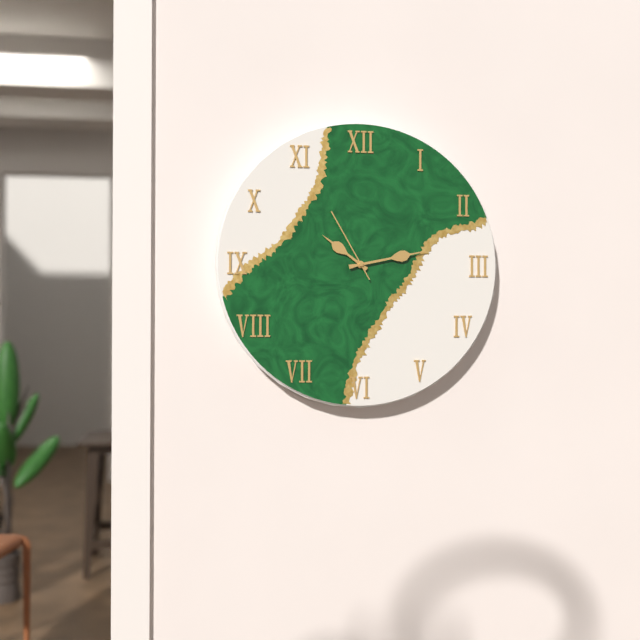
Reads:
10,13,55
